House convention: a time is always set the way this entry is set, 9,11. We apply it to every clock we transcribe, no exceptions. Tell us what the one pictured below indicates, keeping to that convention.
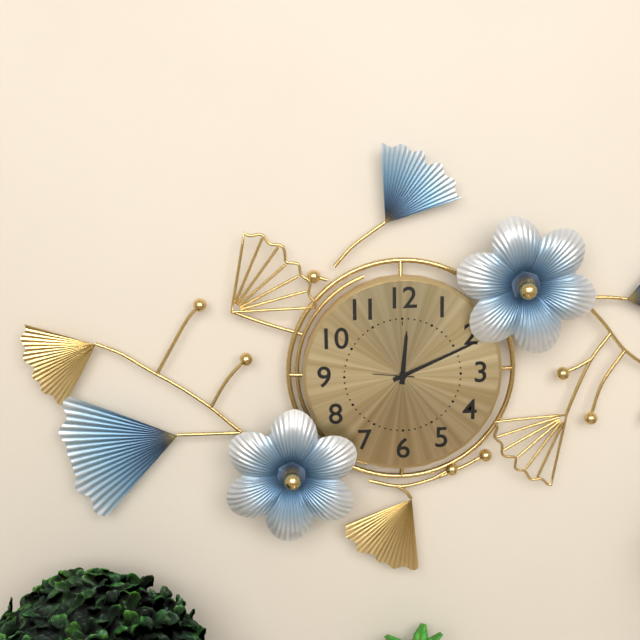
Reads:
12,11
